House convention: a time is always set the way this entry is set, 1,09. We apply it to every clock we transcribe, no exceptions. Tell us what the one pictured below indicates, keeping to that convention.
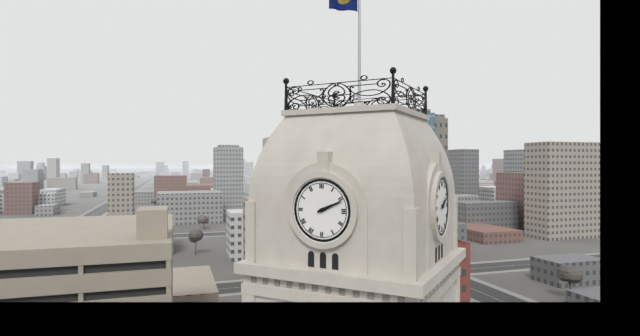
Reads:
2,11
